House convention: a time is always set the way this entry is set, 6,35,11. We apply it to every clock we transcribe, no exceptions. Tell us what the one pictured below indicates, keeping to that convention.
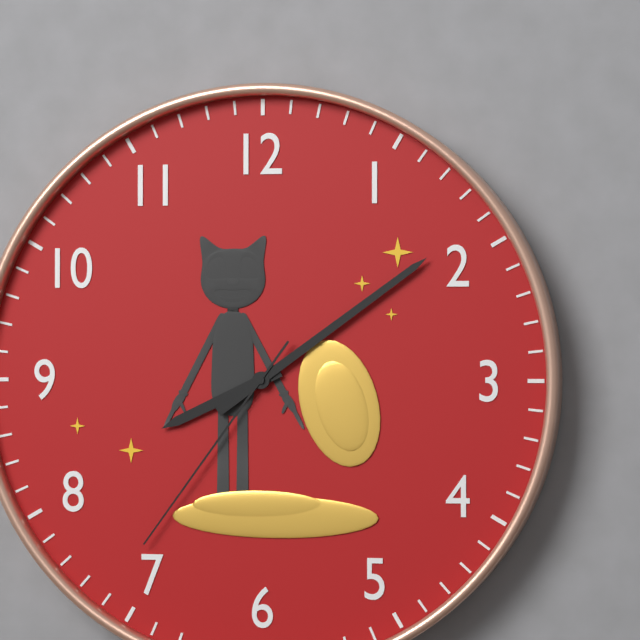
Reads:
8,09,36
